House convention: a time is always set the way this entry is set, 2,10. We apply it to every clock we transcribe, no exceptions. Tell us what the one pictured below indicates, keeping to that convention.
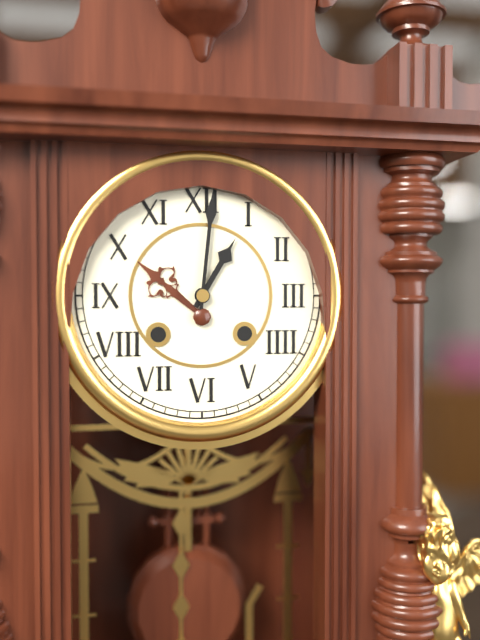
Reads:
1,01
